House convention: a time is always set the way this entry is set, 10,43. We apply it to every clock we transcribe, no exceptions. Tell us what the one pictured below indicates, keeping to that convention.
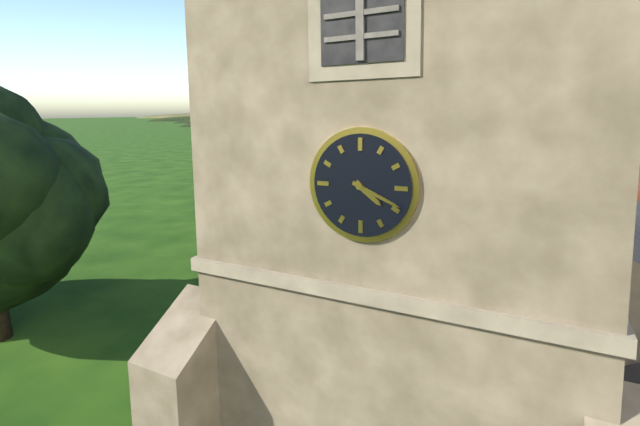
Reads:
4,19
